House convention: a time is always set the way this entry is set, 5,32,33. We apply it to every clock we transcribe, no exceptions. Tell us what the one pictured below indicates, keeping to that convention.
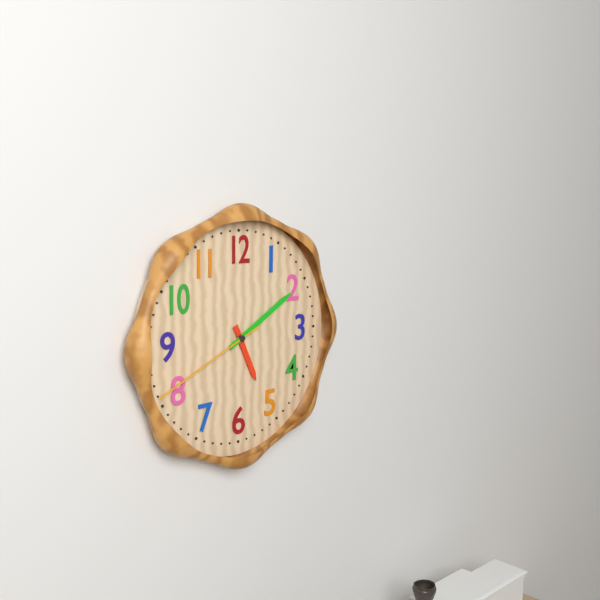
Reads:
5,10,41
